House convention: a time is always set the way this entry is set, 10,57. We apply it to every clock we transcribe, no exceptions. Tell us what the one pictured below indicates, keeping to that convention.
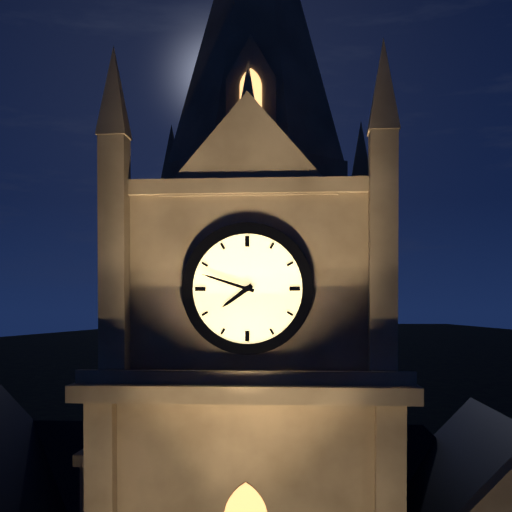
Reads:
7,48
